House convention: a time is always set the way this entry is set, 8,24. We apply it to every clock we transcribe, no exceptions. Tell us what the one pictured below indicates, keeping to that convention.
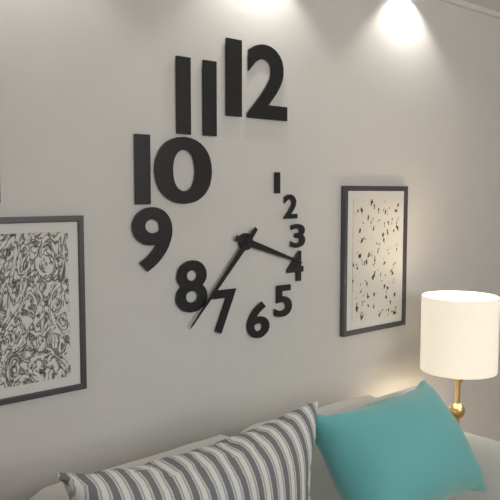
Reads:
3,37
